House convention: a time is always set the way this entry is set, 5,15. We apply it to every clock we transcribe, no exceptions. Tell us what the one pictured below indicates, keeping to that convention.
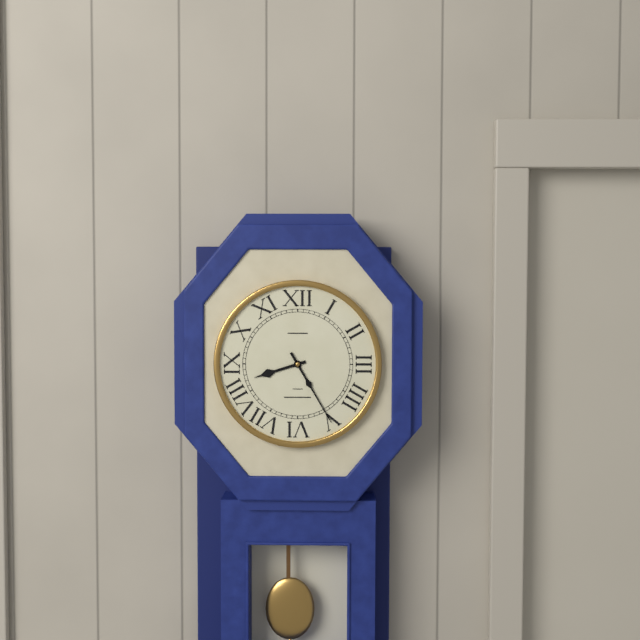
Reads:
8,25
